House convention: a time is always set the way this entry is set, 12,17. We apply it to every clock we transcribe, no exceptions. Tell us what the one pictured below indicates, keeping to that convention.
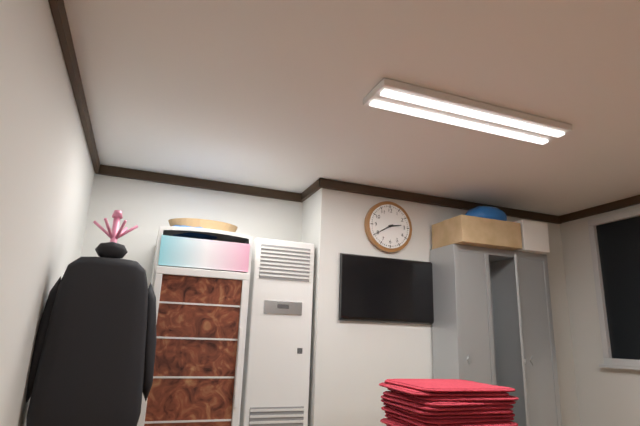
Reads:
2,40
